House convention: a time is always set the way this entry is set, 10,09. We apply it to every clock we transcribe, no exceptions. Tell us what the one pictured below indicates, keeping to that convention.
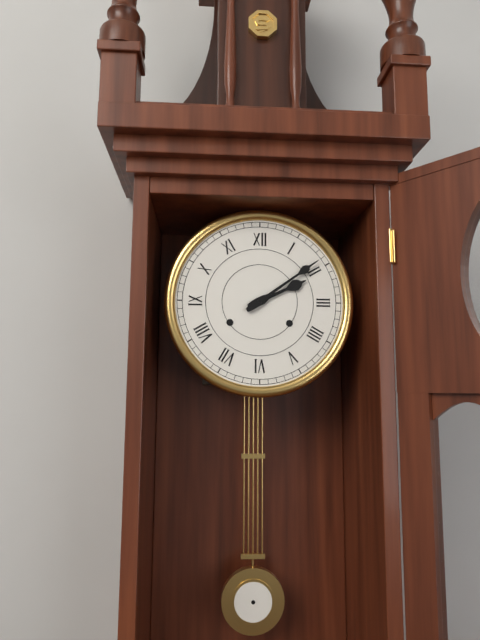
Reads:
2,09
